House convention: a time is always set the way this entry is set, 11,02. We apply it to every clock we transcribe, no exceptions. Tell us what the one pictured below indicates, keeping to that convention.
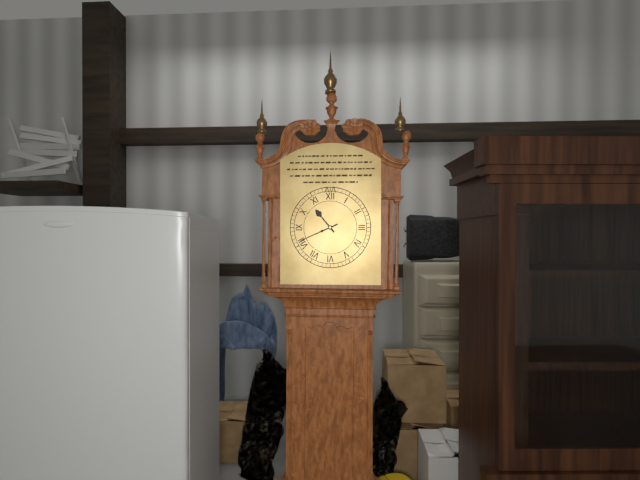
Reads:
10,41
